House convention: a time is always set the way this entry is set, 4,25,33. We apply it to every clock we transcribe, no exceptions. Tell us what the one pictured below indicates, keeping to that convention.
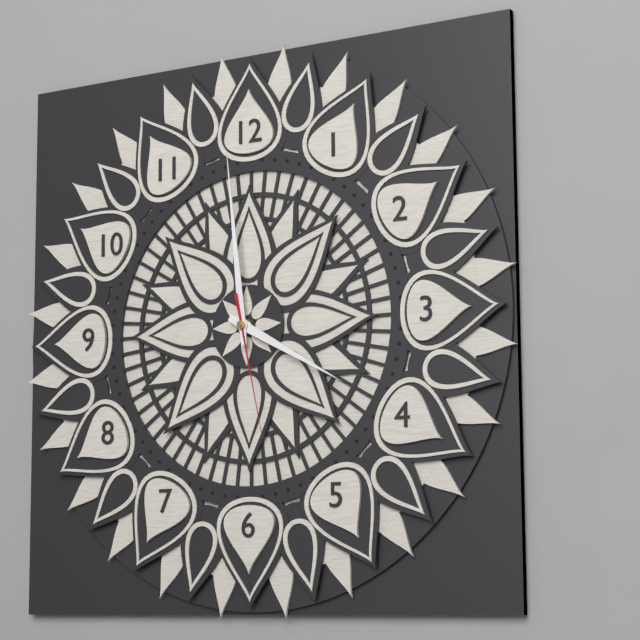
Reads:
3,59,28
